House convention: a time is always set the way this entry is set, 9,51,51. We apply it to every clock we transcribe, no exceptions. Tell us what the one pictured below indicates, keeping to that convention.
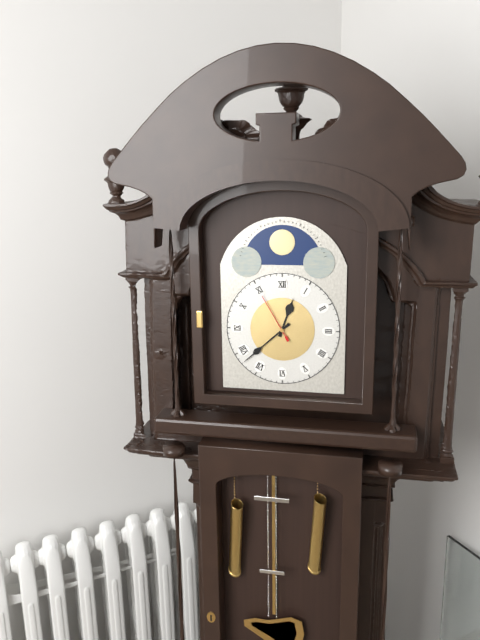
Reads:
12,38,55
